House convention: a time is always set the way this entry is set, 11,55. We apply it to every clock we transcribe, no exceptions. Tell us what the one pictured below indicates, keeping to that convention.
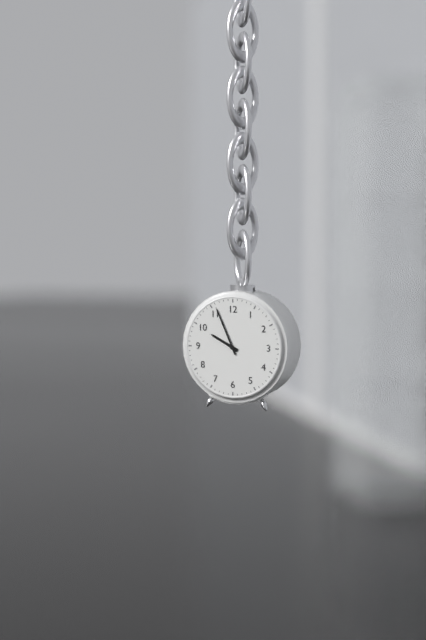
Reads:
9,56
